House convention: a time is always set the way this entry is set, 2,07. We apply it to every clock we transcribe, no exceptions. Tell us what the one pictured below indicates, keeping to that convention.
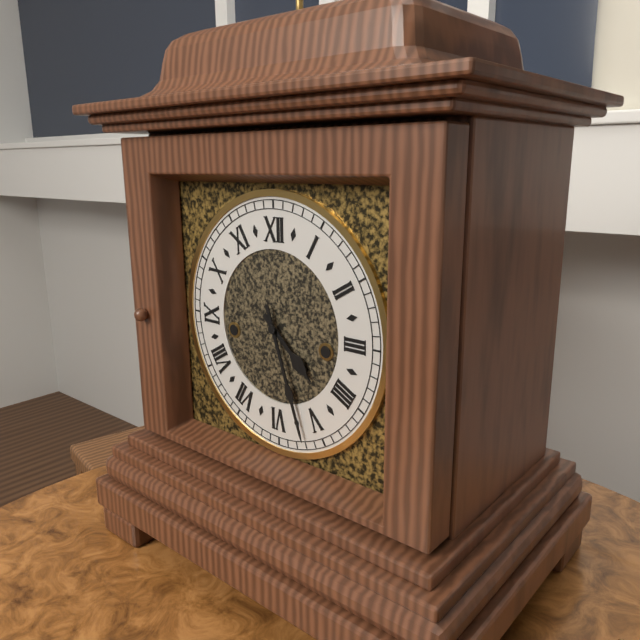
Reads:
4,27
